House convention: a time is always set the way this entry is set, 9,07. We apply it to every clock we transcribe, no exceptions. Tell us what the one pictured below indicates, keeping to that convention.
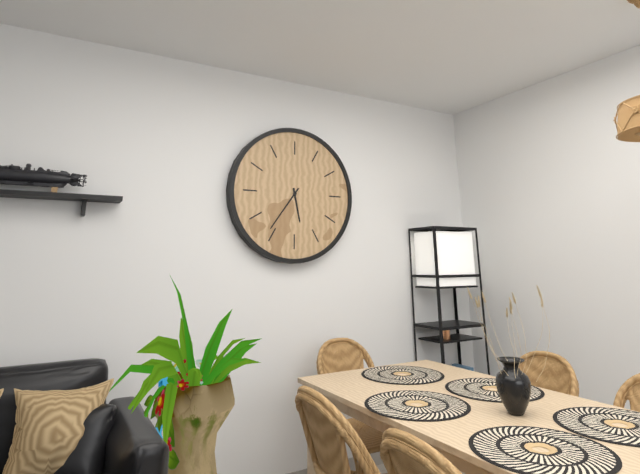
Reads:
5,36
